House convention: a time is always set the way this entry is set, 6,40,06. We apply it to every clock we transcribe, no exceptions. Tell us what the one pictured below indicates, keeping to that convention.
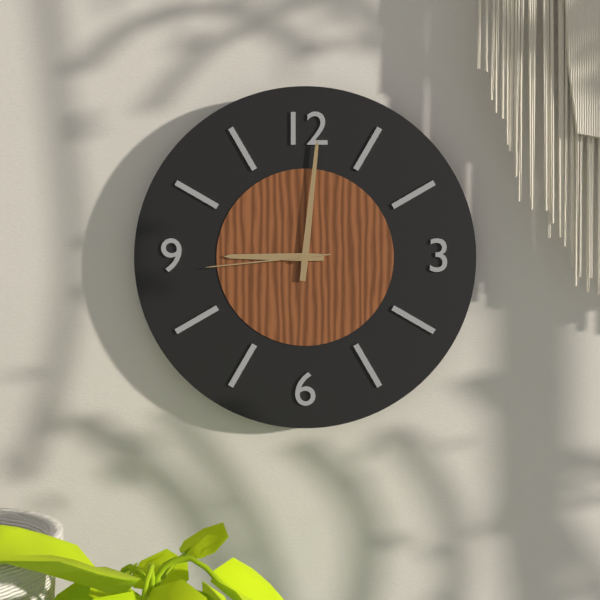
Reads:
9,01,44
